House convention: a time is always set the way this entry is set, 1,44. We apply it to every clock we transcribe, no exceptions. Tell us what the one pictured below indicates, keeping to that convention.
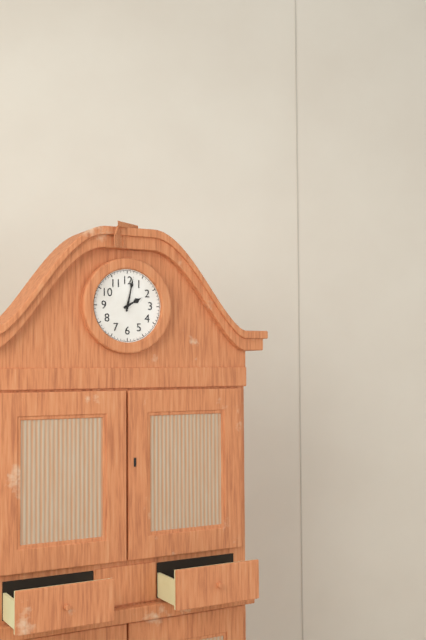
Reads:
2,02
